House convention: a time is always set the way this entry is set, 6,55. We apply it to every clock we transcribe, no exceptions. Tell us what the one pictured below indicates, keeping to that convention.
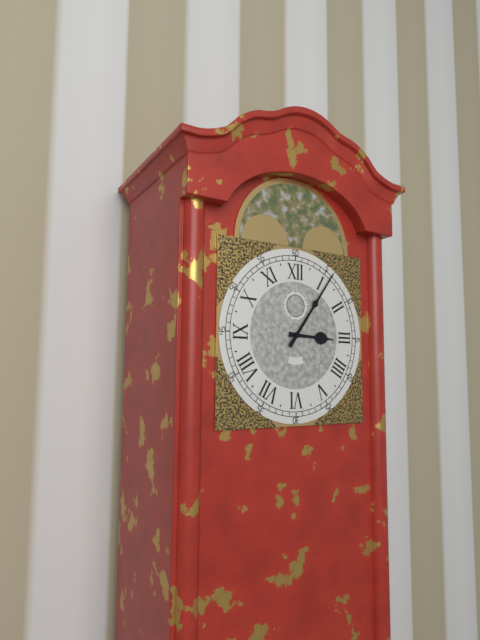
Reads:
3,06
